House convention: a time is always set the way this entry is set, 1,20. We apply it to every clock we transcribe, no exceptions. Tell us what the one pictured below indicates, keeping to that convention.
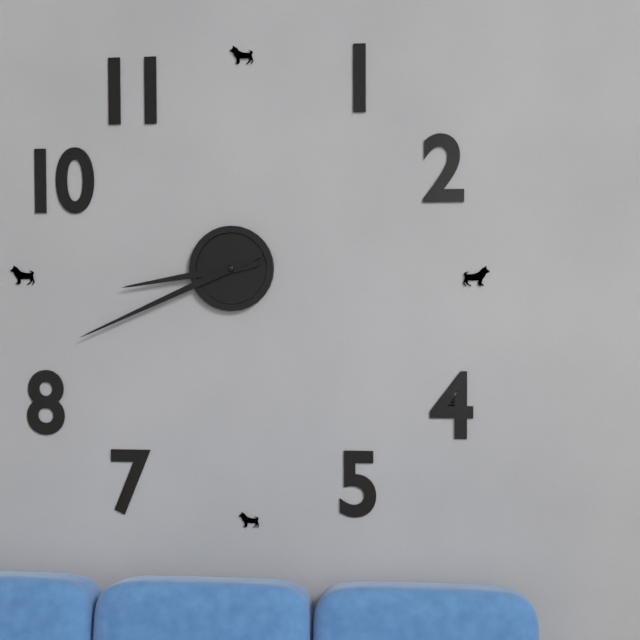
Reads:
8,41
